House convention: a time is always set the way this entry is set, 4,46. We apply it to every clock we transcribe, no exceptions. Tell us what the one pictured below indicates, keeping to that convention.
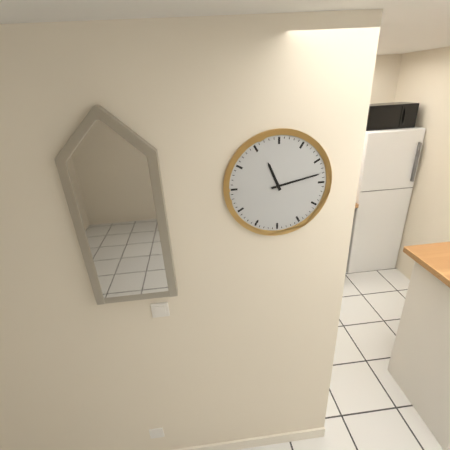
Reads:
11,13
